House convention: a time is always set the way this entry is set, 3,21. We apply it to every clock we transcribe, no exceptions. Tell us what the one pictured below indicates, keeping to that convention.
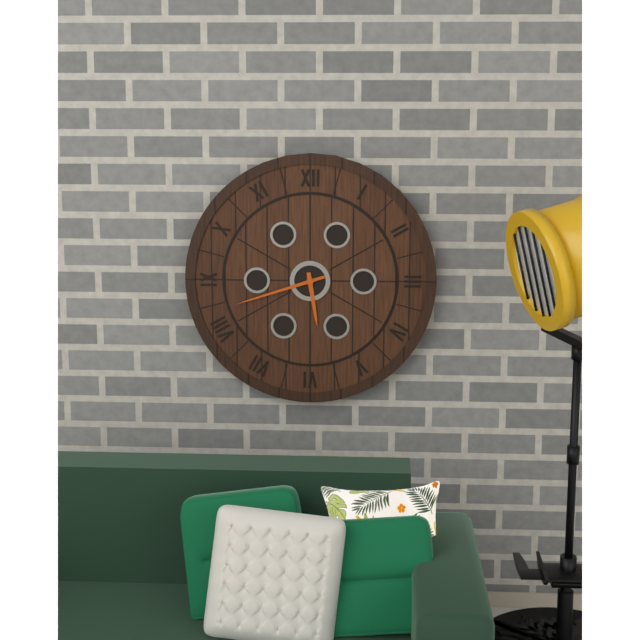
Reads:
5,42
